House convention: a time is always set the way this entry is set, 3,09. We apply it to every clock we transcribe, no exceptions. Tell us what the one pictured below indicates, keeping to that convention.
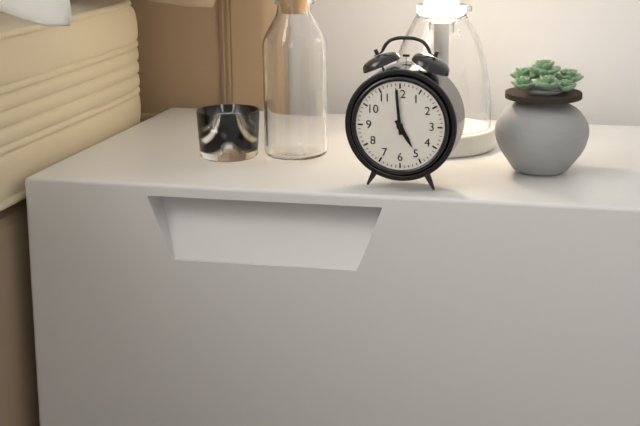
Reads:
4,59
